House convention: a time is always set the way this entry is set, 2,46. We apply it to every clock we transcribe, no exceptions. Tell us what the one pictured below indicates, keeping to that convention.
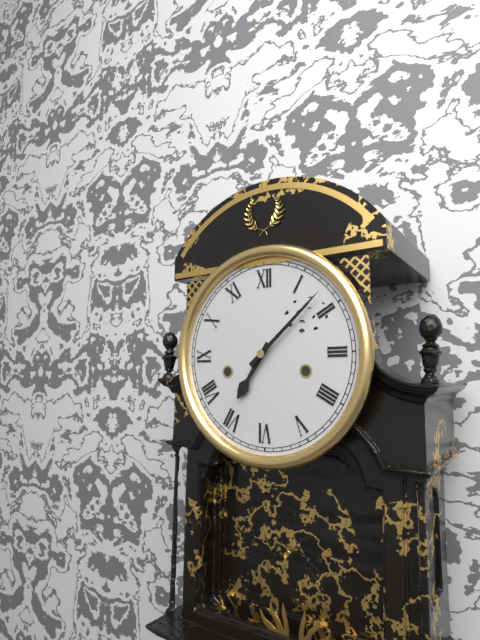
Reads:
7,08
